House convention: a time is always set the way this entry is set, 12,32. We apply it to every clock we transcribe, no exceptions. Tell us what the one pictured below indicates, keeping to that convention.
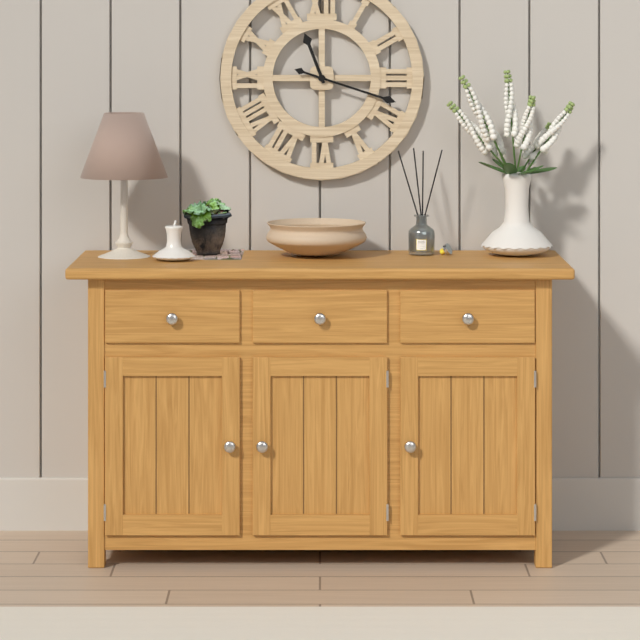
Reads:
11,18
